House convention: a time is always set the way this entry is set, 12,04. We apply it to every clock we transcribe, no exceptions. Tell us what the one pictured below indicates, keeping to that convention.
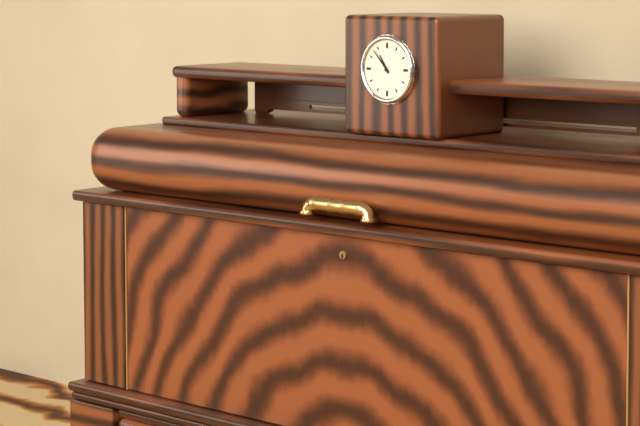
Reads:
10,53
